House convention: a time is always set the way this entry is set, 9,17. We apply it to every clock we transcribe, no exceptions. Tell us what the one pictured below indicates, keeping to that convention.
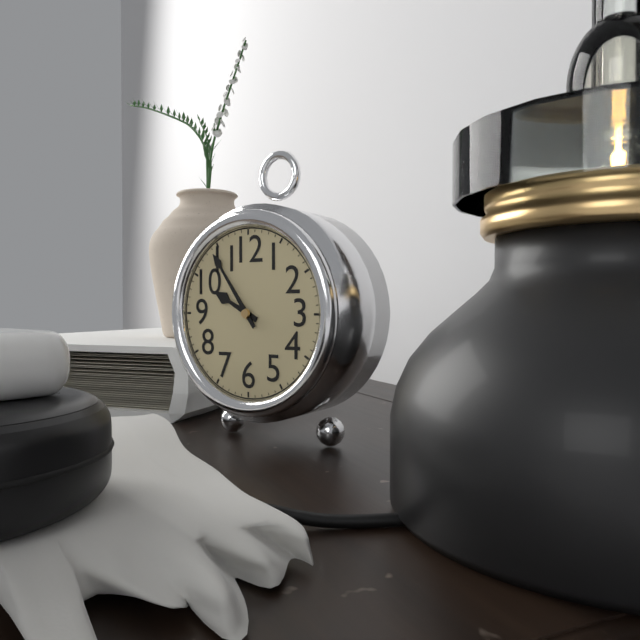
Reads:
9,54
